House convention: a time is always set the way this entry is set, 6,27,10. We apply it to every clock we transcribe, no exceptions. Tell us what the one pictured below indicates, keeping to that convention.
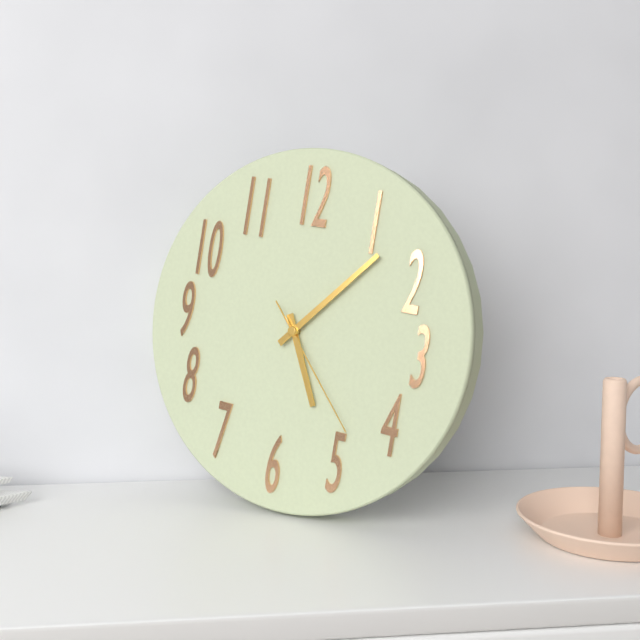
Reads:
5,07,23
